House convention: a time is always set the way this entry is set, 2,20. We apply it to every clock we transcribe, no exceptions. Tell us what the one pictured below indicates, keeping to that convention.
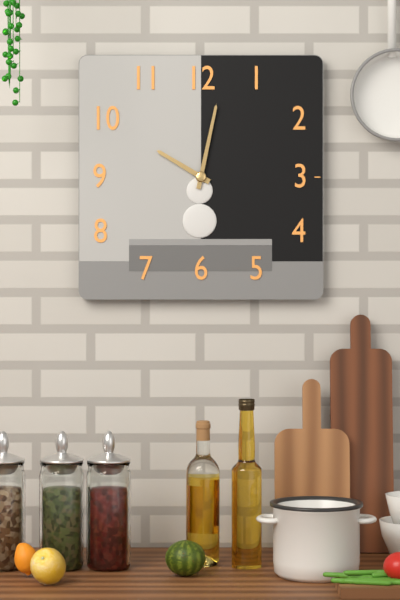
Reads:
10,02
